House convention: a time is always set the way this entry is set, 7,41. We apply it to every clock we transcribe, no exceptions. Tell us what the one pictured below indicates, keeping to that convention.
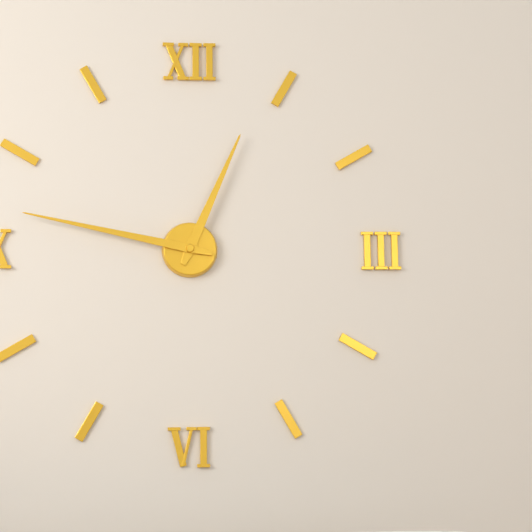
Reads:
12,47
